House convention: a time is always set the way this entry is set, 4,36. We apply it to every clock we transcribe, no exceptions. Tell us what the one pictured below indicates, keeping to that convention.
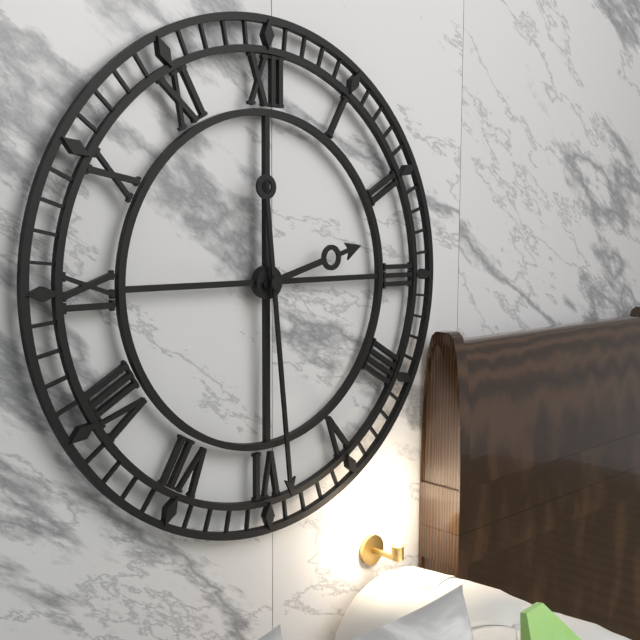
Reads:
2,29
